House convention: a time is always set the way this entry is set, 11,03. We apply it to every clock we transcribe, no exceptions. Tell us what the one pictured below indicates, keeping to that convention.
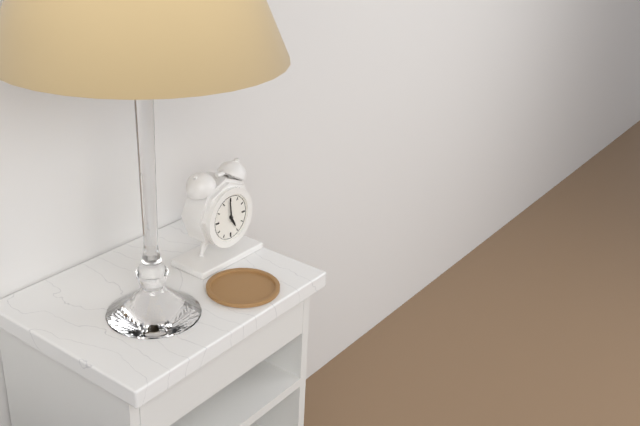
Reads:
4,59
